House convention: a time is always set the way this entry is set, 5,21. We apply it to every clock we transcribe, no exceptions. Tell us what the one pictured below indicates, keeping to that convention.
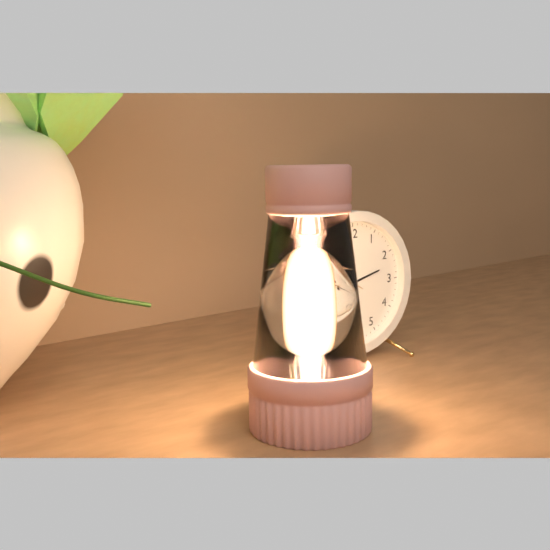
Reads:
2,28
